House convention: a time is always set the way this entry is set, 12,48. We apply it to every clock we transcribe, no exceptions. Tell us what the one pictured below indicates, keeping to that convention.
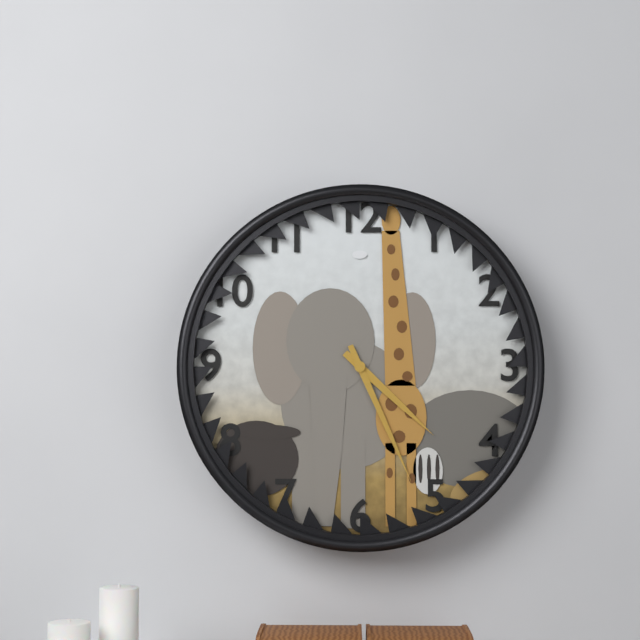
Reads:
4,26
